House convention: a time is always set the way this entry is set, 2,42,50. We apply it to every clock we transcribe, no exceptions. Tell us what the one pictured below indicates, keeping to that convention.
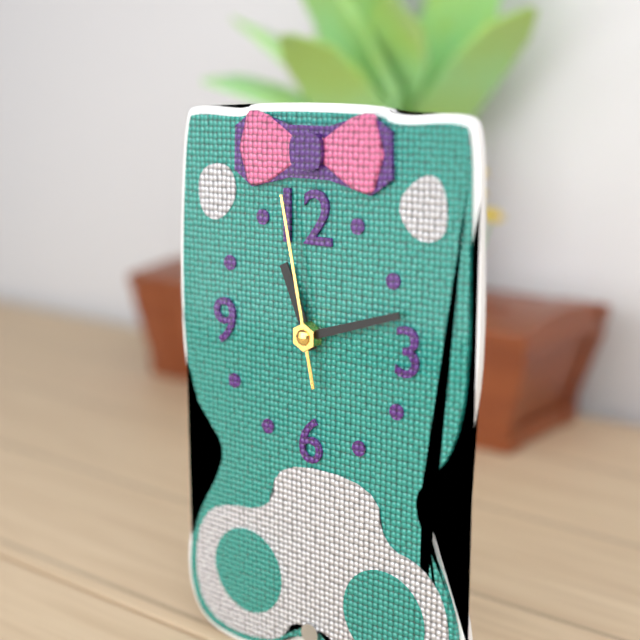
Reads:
11,12,58
